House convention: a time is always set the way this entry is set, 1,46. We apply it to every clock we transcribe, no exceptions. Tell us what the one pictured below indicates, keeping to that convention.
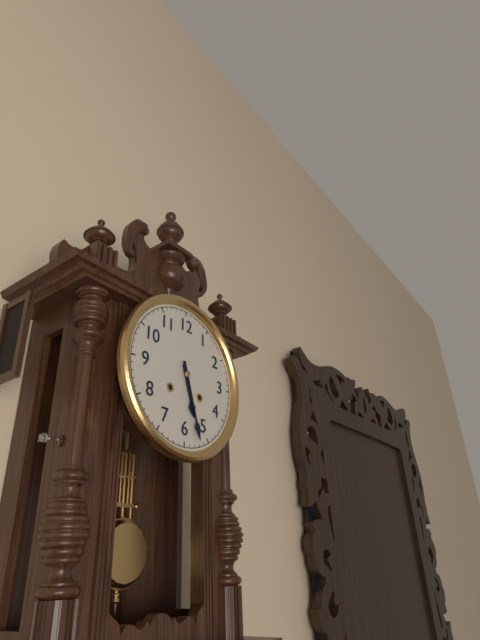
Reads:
5,27
